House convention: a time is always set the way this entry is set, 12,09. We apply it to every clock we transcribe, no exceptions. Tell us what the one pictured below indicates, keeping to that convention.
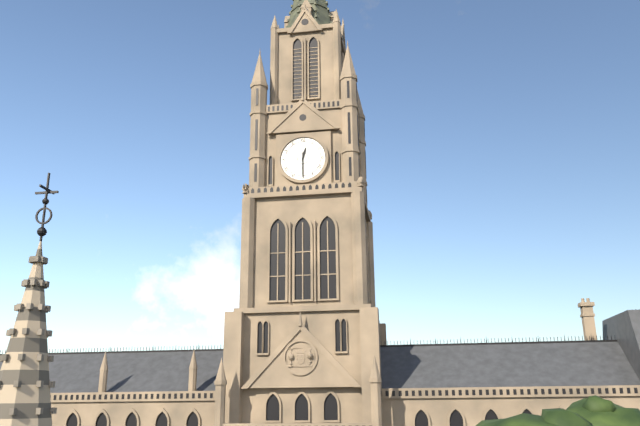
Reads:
12,30
